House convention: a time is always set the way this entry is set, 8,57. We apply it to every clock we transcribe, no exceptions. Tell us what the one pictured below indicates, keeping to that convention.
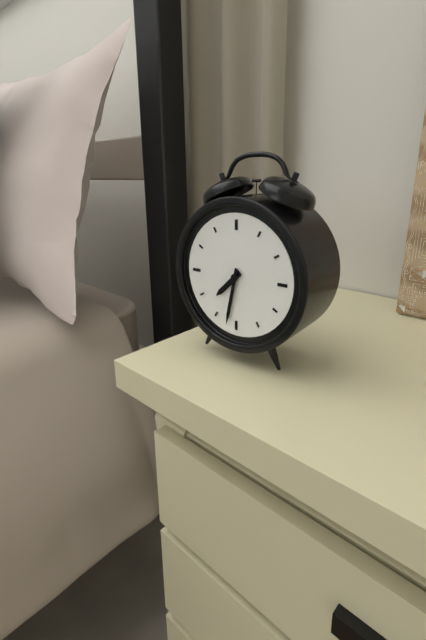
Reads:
7,32
